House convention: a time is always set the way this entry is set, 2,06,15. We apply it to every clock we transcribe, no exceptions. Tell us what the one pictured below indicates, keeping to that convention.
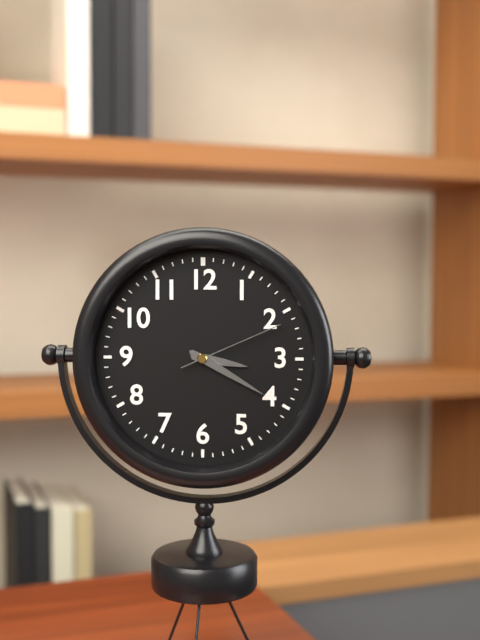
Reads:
3,20,11
